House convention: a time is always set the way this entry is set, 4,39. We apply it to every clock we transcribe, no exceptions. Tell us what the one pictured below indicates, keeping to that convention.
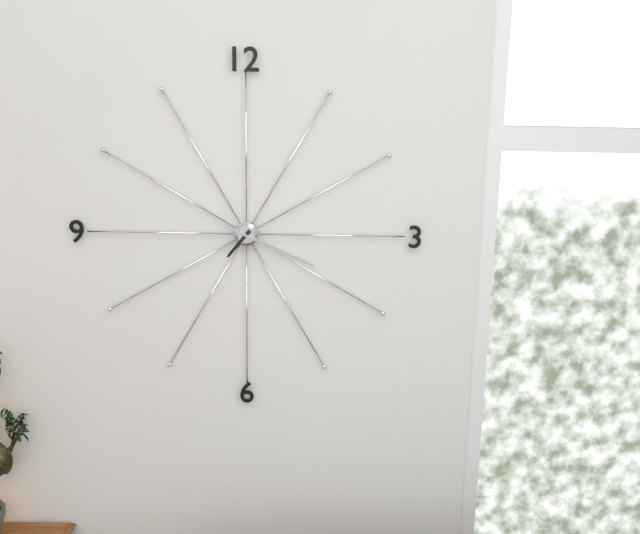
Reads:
7,19
